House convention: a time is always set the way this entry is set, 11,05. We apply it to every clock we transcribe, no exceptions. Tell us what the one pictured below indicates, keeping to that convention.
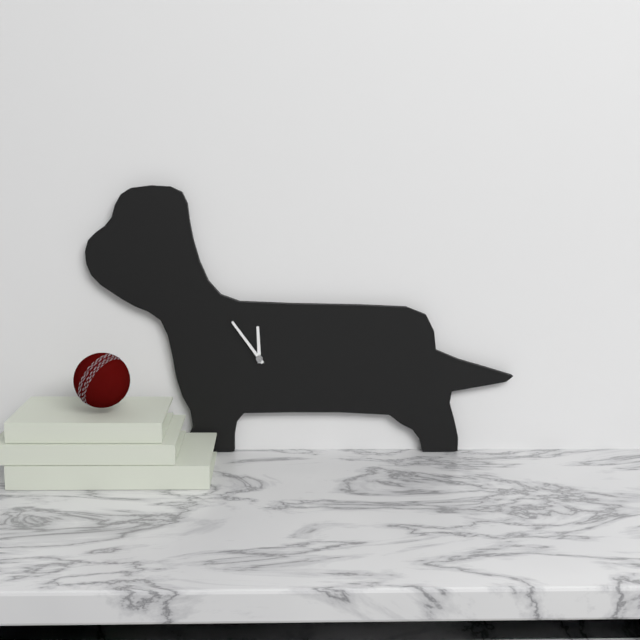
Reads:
11,54
